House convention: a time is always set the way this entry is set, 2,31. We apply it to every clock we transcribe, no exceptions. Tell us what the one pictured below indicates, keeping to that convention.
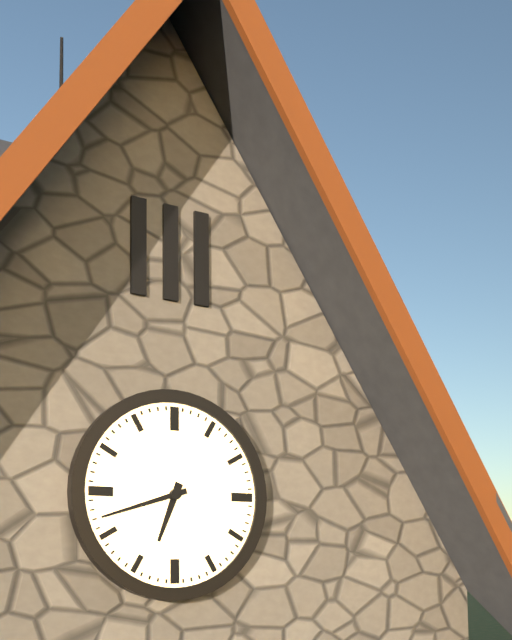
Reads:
6,42
